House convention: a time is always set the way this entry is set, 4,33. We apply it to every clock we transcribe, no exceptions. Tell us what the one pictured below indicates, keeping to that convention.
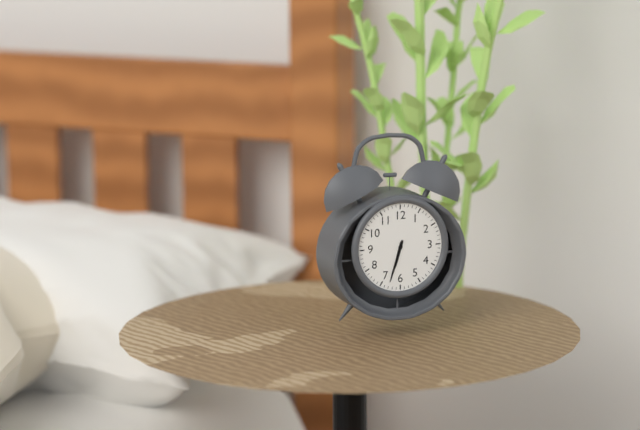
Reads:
6,33
